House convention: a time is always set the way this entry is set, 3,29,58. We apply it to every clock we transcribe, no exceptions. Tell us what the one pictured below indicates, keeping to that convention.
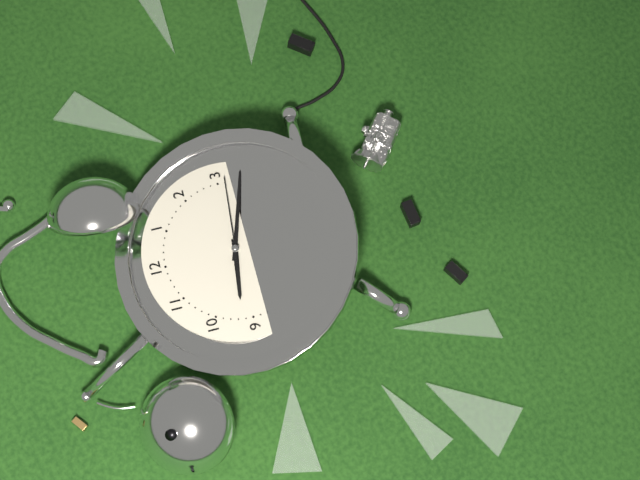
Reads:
9,18,16
